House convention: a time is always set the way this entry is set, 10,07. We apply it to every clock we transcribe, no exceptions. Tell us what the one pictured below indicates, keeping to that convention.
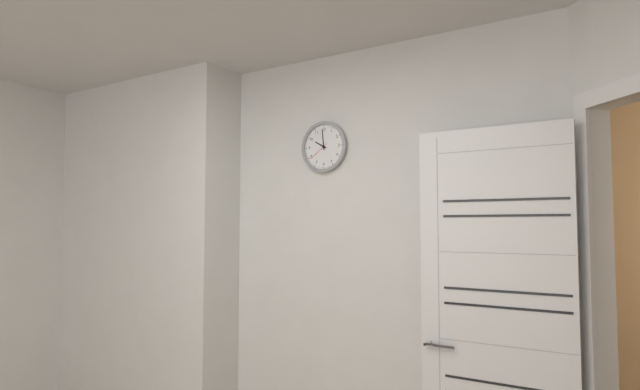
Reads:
9,59
